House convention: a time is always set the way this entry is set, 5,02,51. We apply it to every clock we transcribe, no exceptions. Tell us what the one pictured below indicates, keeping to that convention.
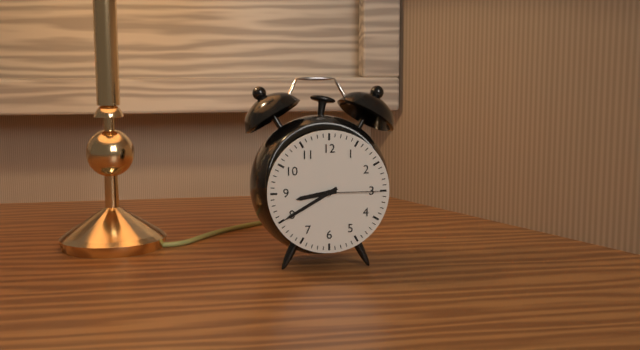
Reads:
8,40,15
